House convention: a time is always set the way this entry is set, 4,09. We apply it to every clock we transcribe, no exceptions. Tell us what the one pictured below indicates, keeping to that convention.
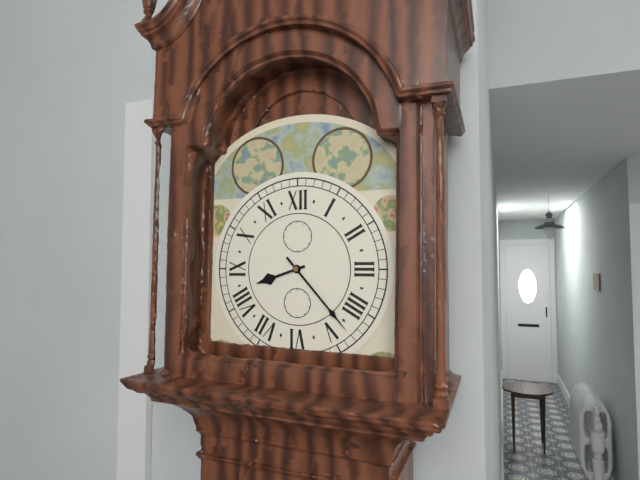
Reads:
8,23
